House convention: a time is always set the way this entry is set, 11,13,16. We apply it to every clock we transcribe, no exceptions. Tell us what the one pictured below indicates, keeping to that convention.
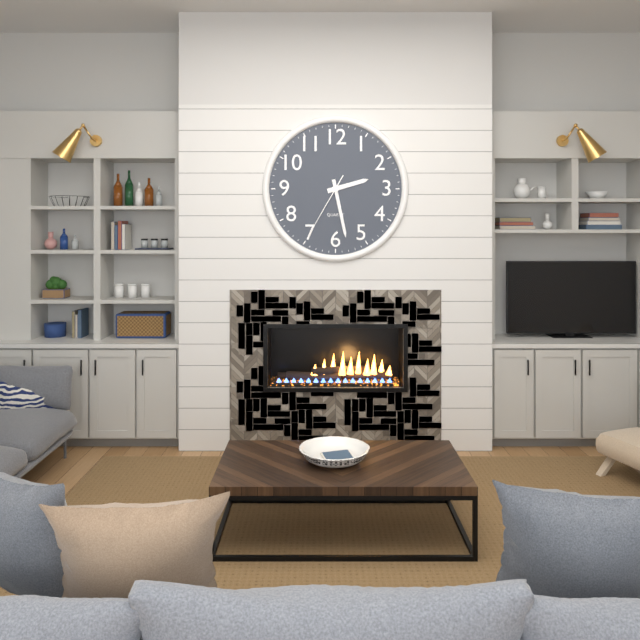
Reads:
2,28,35
